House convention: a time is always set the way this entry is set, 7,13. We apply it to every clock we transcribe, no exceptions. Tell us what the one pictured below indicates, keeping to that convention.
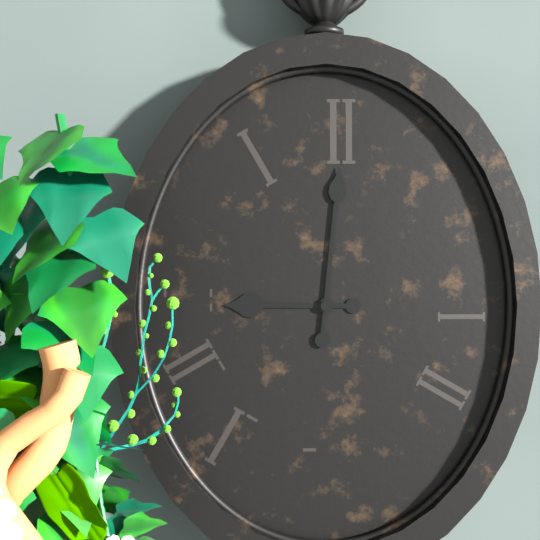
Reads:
9,01
